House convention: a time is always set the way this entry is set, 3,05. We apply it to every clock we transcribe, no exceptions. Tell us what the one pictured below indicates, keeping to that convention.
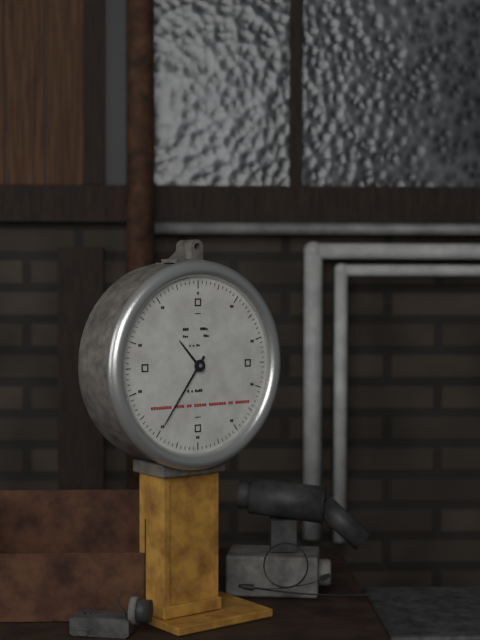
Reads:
10,36
